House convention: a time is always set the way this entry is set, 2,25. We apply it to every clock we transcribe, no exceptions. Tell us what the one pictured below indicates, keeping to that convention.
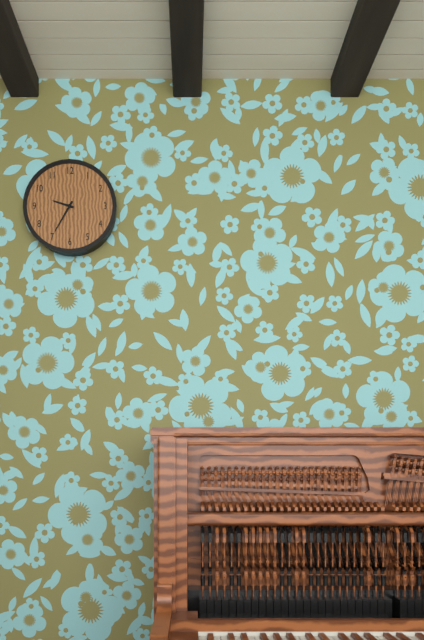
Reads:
9,35
